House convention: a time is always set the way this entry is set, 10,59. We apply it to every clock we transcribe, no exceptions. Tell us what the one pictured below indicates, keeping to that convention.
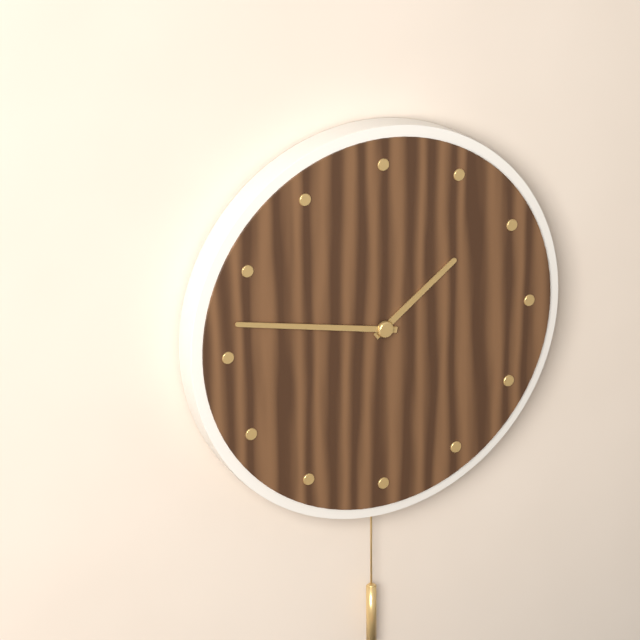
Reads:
1,47
